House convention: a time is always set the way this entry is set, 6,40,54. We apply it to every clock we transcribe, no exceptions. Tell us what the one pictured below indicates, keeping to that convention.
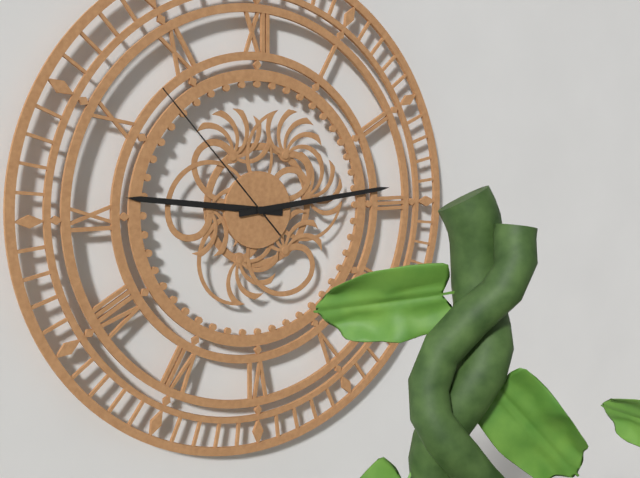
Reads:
9,14,53
